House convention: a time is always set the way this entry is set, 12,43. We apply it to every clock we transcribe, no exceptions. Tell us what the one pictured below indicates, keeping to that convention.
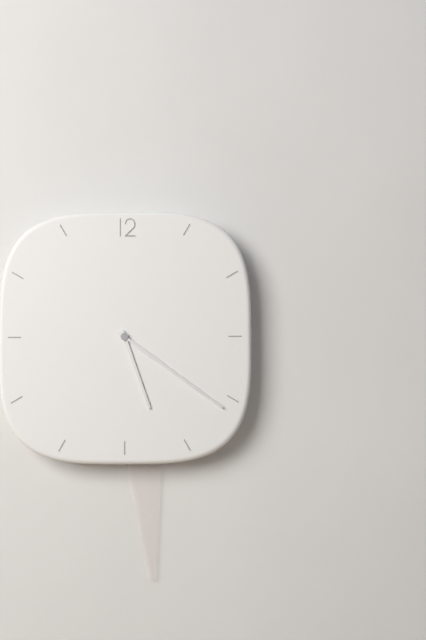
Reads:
5,21
